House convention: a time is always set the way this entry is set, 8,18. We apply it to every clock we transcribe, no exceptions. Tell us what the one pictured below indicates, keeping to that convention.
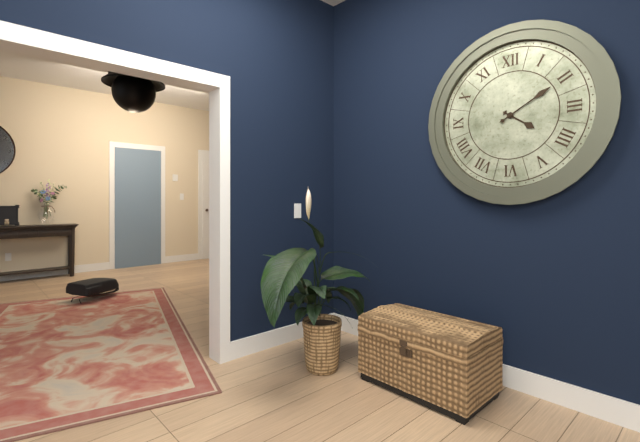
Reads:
4,10
